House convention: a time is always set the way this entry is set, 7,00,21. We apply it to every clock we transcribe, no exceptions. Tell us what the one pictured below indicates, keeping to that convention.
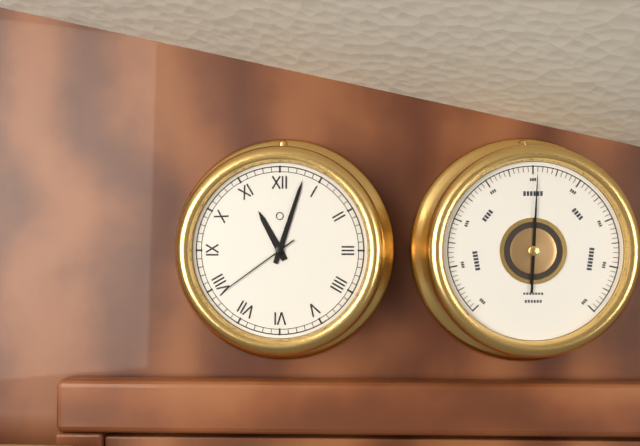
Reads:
11,03,39
